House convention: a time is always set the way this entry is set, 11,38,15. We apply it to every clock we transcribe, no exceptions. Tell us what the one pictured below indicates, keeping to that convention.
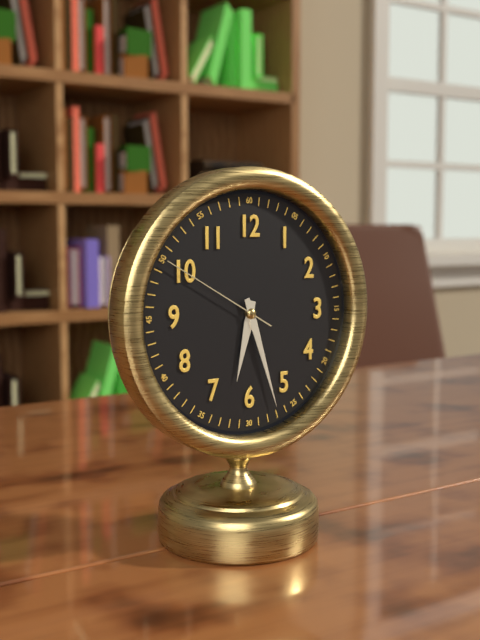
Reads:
6,27,50
